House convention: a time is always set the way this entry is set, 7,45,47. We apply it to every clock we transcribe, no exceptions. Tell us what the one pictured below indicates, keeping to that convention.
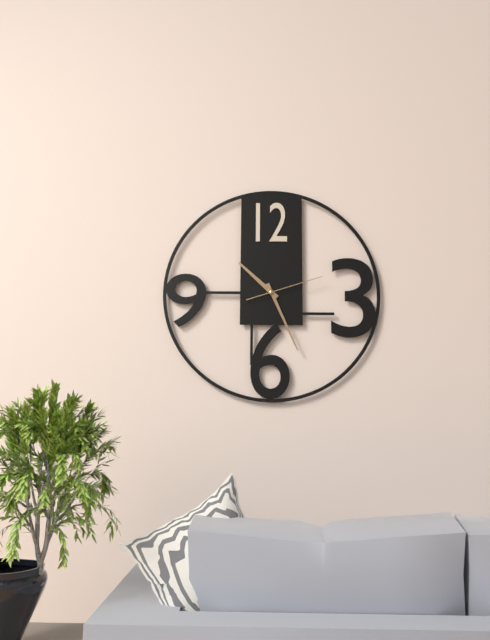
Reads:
10,26,12
